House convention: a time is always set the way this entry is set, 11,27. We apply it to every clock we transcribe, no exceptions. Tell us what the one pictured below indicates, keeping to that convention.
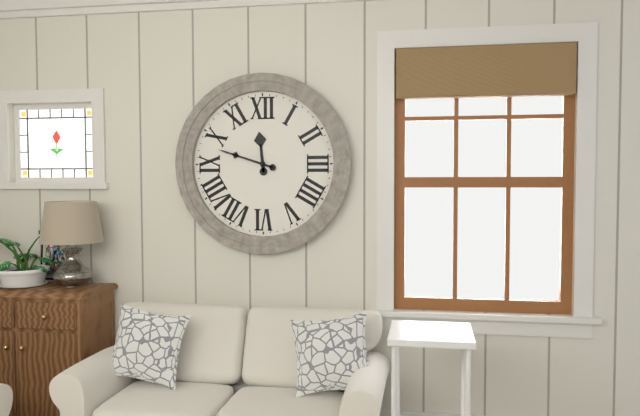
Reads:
11,48
